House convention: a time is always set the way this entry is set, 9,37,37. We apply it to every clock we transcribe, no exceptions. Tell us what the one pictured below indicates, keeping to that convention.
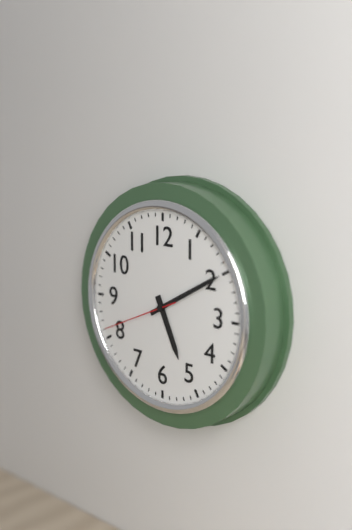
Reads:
5,10,41
